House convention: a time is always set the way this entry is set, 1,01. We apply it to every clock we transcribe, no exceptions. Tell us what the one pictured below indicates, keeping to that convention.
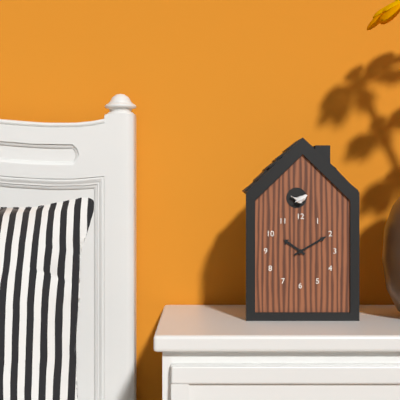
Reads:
10,10
